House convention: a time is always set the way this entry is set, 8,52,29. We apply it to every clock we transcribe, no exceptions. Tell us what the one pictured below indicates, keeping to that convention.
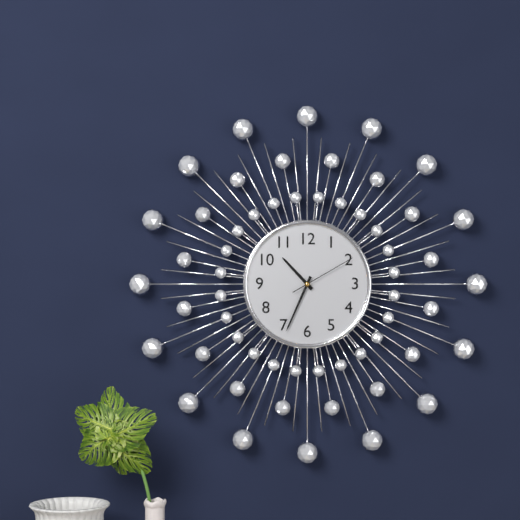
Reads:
10,34,10
